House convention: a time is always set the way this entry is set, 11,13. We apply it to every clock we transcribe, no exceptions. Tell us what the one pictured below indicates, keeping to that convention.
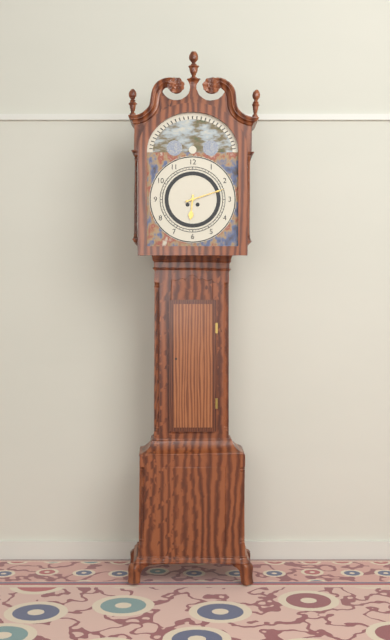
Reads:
6,12
